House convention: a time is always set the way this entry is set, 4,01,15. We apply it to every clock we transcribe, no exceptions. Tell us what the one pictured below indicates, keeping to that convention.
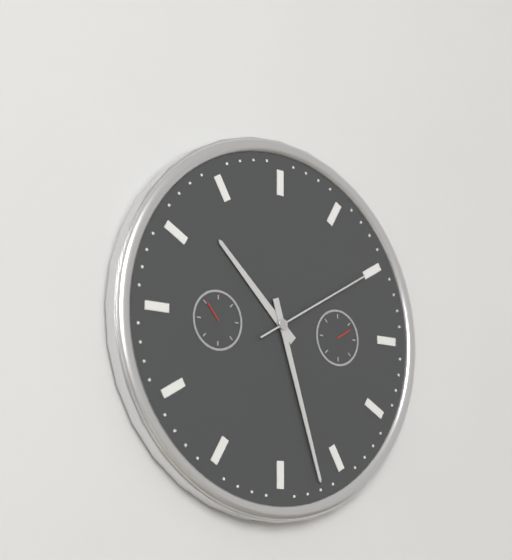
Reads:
10,27,10
